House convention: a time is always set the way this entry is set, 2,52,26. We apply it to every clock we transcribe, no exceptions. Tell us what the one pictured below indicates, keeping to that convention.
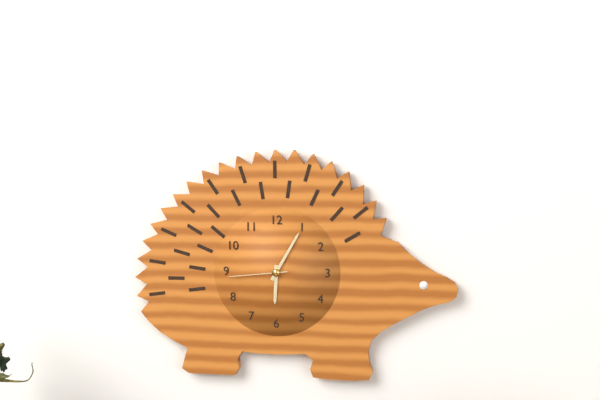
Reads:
6,05,44
